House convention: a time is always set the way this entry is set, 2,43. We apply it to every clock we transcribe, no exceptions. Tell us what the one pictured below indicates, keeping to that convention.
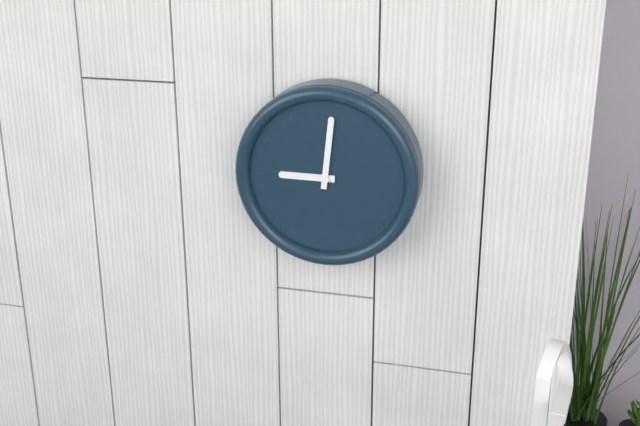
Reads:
9,01
